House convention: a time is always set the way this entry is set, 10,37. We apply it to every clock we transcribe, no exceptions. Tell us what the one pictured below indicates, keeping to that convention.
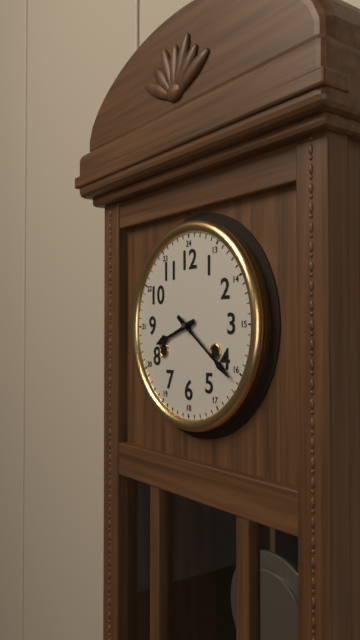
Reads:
8,21
